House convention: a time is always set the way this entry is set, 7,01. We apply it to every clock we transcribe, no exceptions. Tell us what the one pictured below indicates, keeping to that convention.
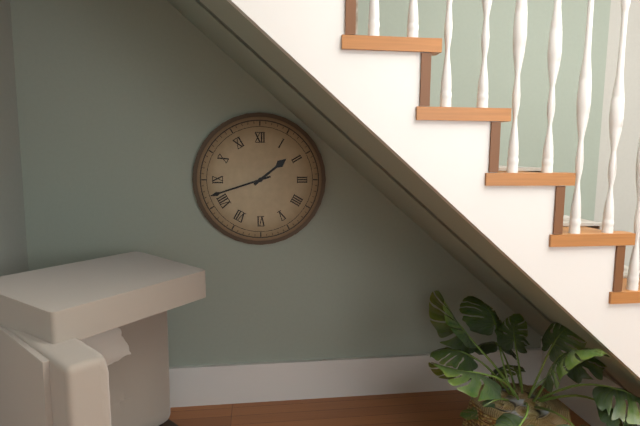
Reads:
1,42
